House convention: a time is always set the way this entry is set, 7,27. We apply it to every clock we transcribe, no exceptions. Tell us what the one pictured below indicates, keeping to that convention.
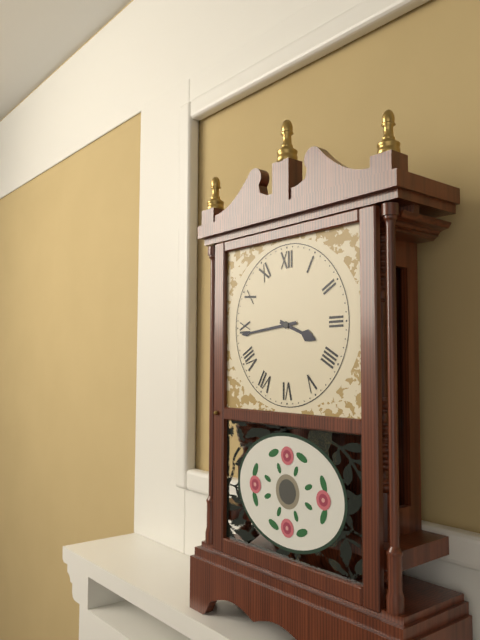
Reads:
3,44
